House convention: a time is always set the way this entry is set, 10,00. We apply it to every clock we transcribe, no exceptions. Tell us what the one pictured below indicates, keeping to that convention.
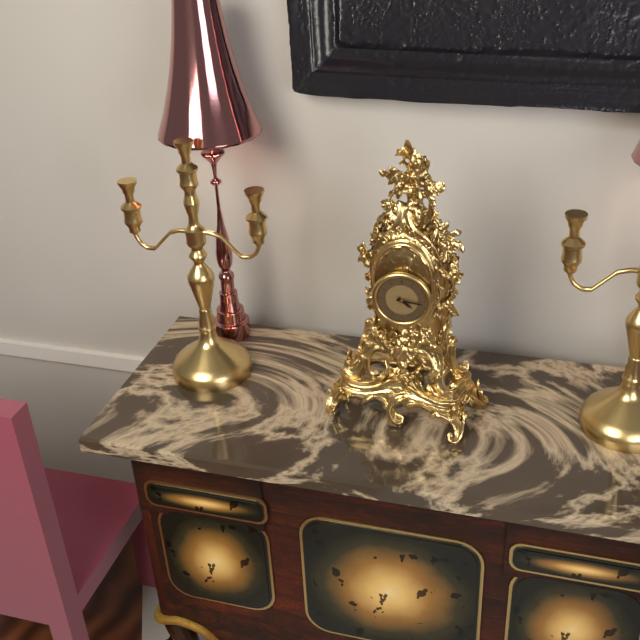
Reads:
4,16
